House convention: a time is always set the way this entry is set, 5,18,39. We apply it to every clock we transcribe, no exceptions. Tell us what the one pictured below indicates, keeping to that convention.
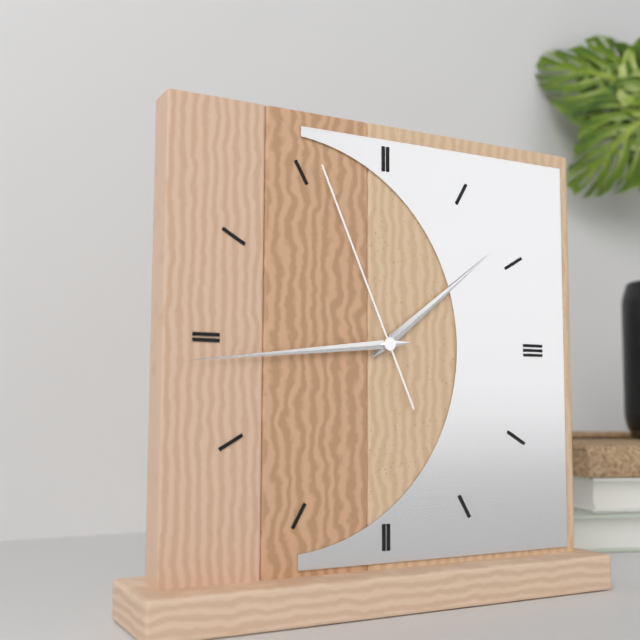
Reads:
1,44,56
